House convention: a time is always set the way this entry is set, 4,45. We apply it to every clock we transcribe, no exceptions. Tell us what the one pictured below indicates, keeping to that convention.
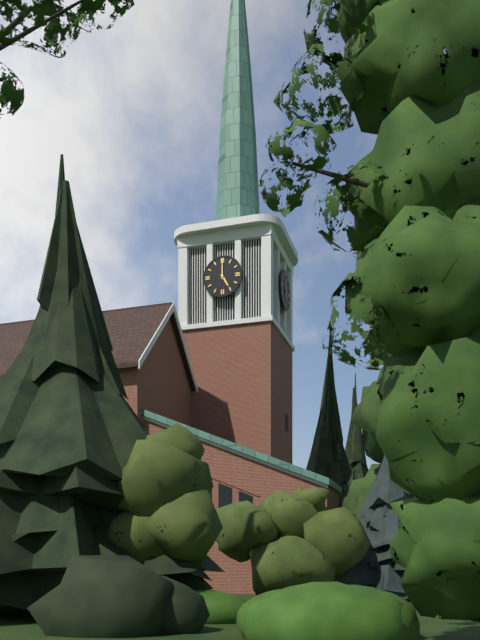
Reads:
5,00
